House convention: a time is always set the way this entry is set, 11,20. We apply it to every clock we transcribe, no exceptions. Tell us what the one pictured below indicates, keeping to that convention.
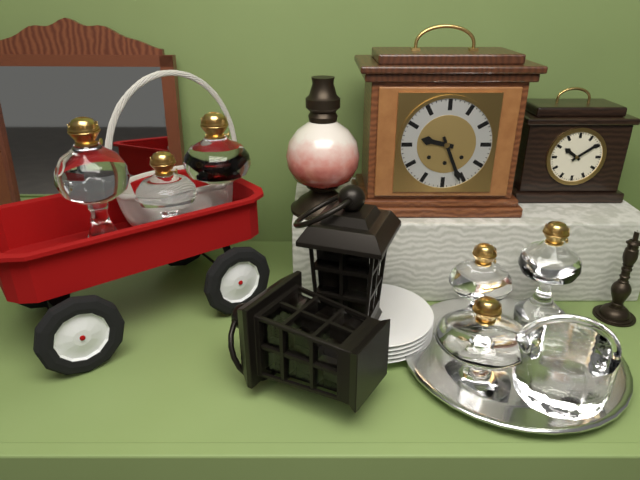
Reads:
9,26
